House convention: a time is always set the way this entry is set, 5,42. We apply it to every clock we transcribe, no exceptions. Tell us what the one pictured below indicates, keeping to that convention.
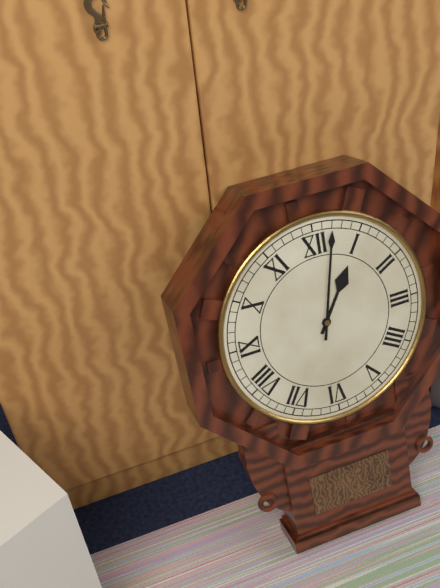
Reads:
1,02
